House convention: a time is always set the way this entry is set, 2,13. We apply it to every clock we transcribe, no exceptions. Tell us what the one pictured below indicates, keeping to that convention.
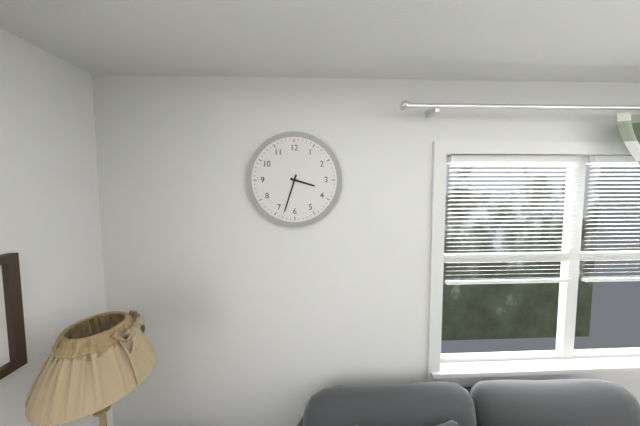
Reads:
3,33
